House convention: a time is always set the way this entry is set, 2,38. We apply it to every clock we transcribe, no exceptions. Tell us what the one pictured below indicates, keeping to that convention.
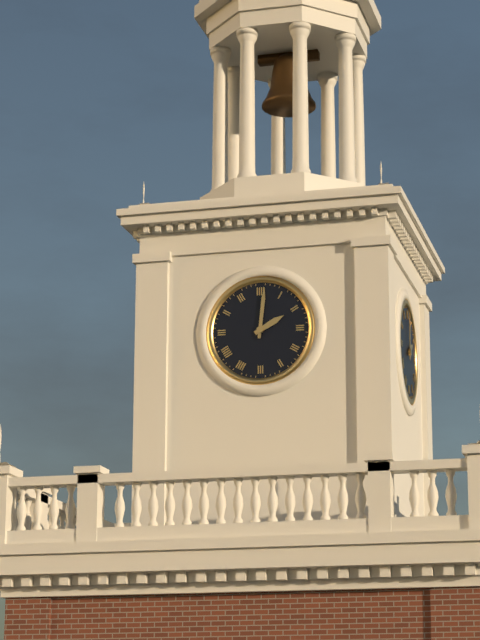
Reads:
2,01
